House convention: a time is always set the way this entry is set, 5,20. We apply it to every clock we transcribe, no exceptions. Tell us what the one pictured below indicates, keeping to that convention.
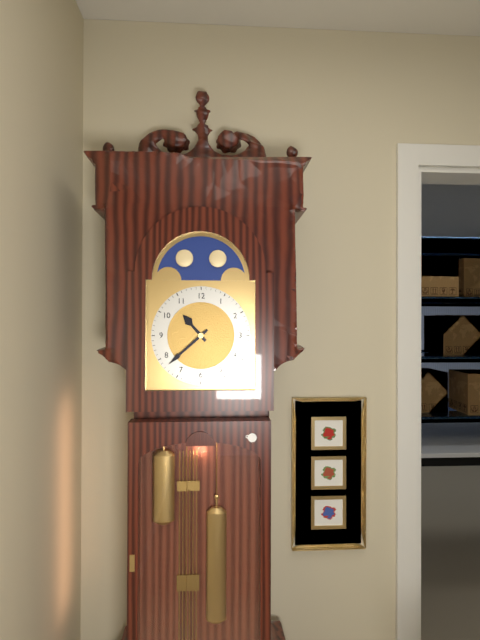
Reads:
10,38
